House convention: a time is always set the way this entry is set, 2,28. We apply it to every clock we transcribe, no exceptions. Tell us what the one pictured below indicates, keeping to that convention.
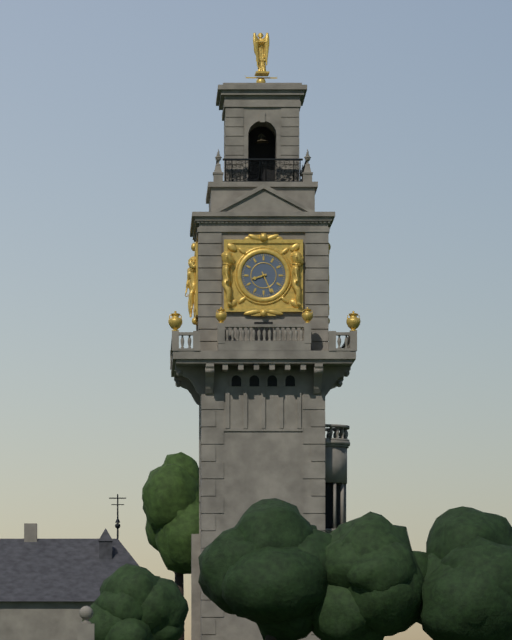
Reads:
8,26
